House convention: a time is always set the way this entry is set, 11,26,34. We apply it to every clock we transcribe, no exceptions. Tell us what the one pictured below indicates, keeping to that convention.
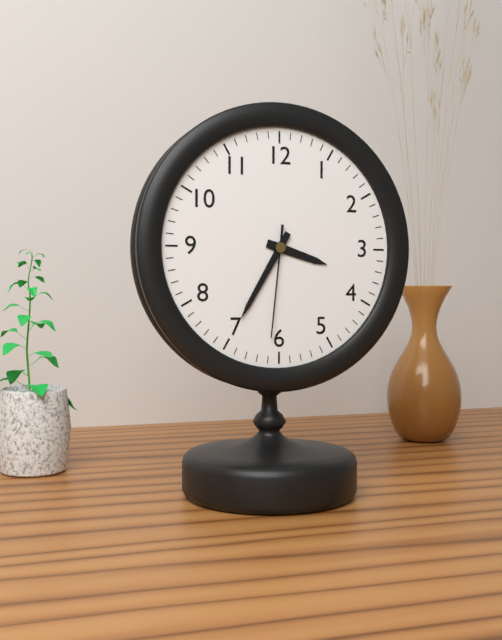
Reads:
3,35,31
